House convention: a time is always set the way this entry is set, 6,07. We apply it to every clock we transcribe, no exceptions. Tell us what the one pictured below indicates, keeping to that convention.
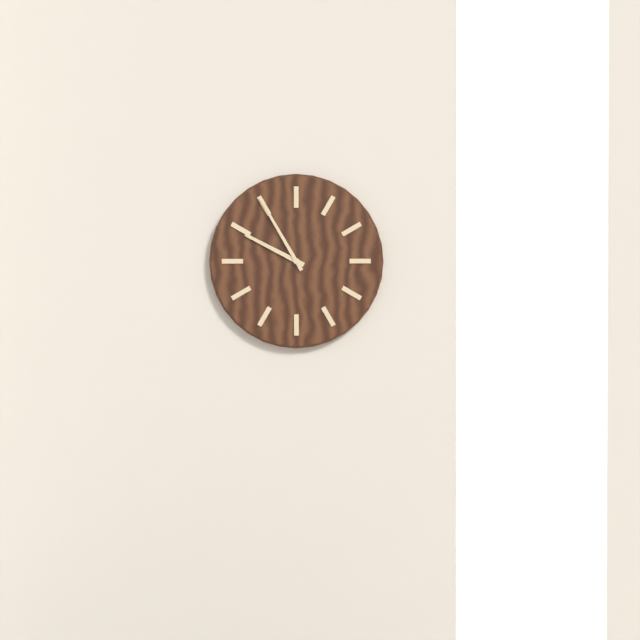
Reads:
9,55
